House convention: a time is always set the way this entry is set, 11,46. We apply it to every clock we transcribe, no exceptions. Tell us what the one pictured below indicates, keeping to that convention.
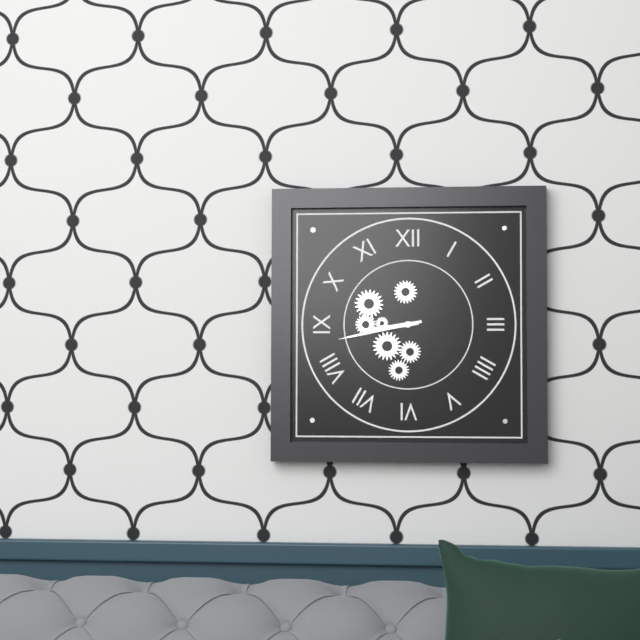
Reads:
8,43
